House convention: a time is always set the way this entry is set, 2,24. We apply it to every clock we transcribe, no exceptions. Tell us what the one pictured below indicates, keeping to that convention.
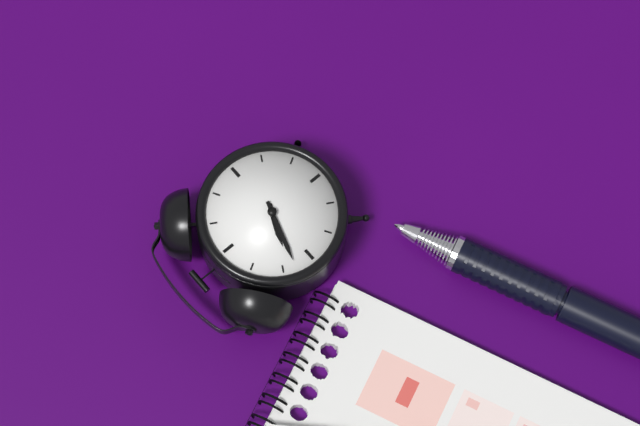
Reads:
9,48
